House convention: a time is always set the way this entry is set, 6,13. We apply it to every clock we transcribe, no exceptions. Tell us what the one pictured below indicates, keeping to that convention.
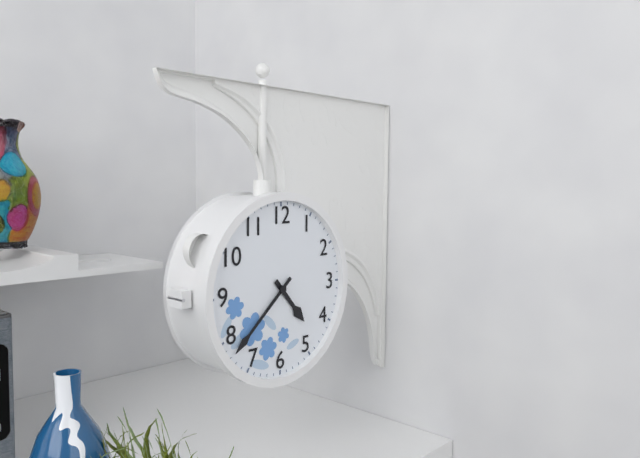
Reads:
4,38
